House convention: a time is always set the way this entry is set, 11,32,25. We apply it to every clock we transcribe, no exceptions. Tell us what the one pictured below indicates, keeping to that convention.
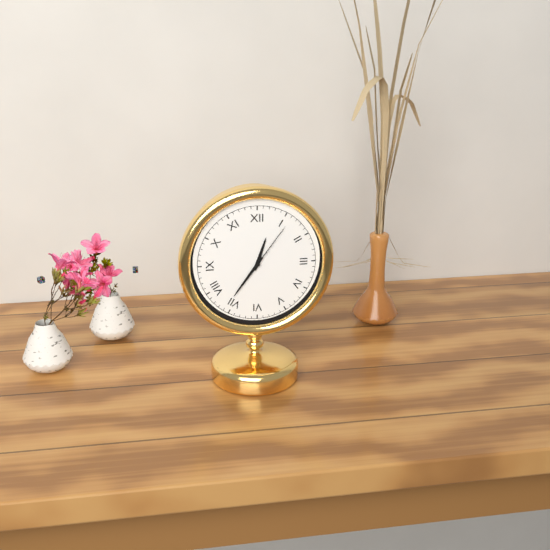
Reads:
12,36,06
